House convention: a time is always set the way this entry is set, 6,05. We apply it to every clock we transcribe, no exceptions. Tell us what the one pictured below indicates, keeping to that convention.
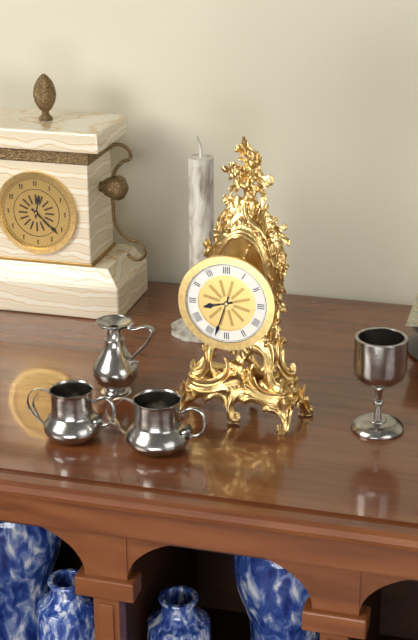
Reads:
8,33
